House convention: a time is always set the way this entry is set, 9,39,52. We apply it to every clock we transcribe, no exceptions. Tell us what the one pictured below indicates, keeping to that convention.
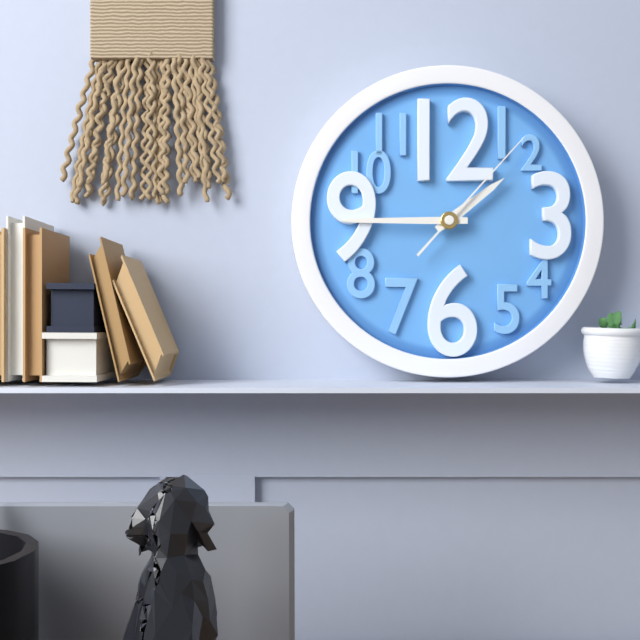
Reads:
1,45,07
